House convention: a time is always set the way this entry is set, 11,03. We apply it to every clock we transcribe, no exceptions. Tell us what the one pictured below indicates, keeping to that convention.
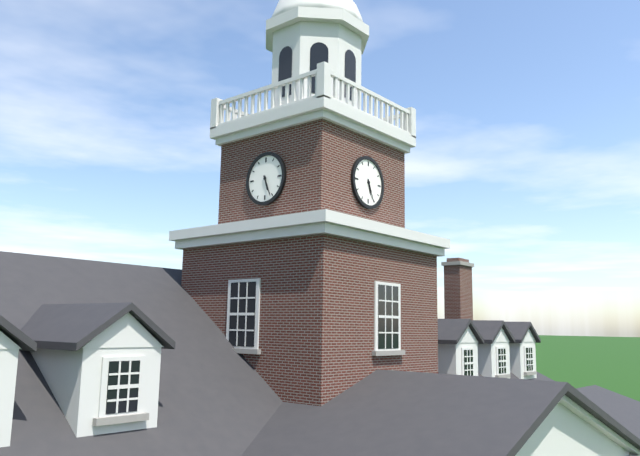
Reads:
5,26
